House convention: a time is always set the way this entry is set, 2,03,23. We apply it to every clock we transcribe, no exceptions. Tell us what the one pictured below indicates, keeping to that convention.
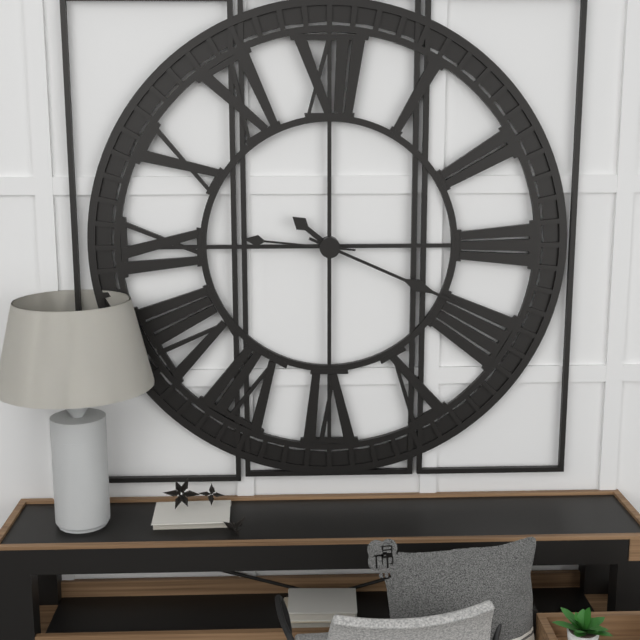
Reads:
10,19,46
